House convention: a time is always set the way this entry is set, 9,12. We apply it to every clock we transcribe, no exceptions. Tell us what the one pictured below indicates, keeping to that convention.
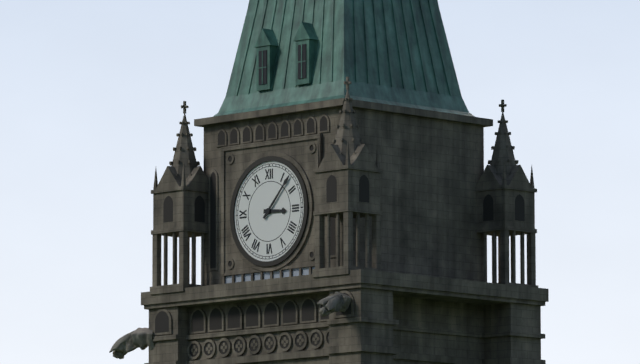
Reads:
3,07
